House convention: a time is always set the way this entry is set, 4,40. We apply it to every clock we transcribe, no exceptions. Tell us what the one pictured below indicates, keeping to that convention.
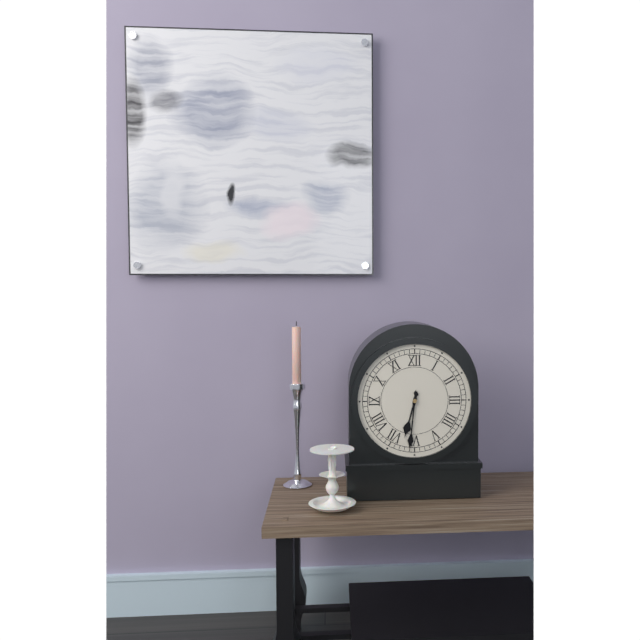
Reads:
6,31
